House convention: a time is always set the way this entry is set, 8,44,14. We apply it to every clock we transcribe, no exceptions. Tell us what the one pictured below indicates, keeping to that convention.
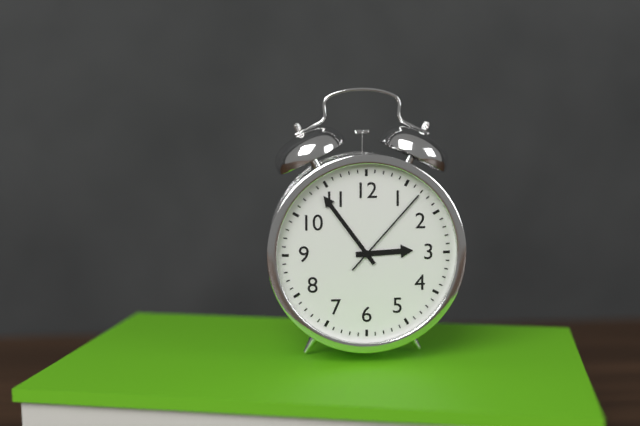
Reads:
2,54,07
